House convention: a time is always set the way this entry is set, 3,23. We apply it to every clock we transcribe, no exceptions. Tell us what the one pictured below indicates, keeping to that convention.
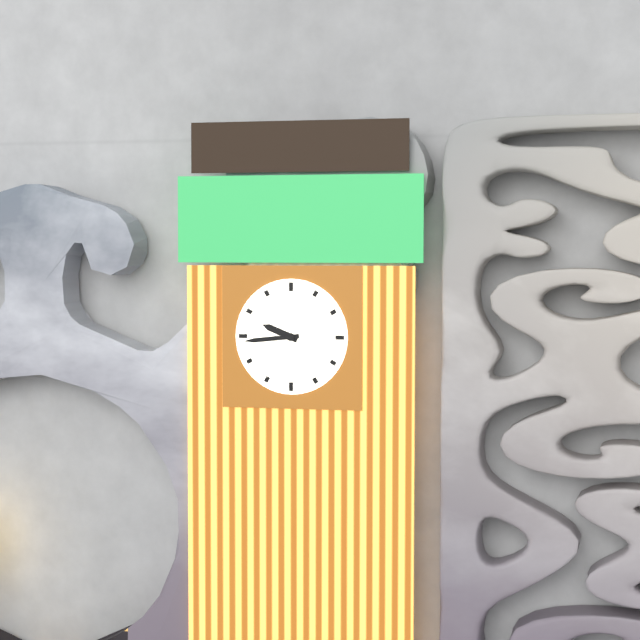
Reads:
9,44
